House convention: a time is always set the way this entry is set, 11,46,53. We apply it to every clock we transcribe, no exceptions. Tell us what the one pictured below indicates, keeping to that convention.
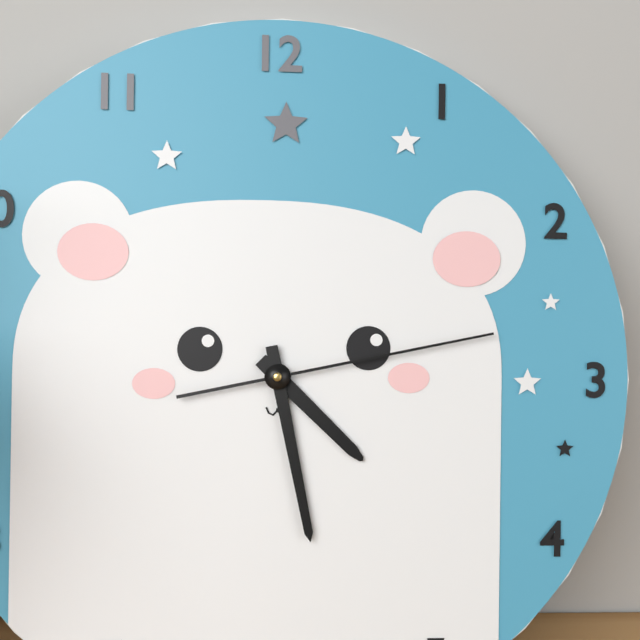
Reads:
4,28,13
